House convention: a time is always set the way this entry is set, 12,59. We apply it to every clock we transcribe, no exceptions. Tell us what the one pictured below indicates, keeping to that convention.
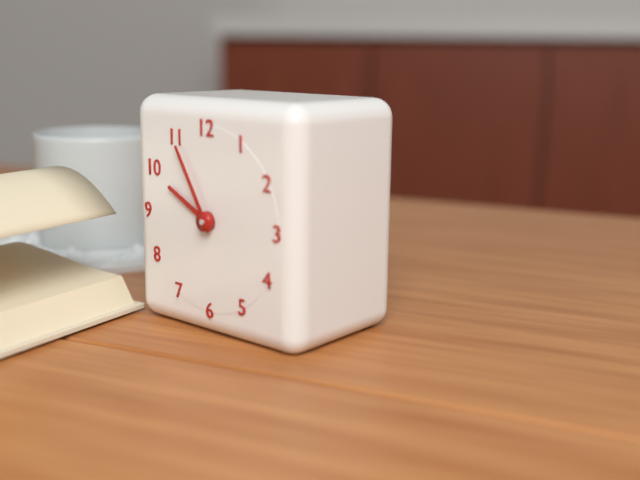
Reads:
9,55
